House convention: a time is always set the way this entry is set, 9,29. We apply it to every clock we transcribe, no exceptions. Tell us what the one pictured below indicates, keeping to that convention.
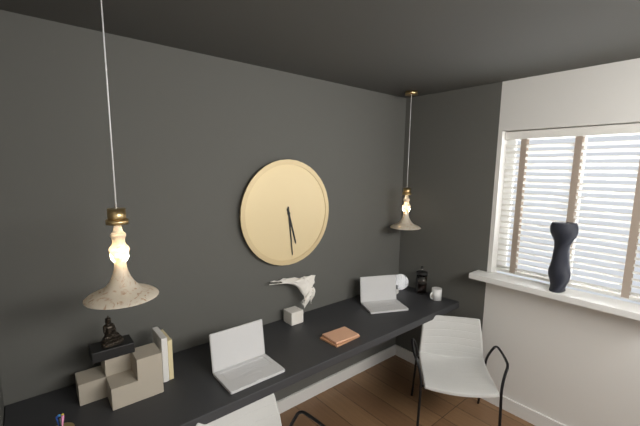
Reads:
5,29
